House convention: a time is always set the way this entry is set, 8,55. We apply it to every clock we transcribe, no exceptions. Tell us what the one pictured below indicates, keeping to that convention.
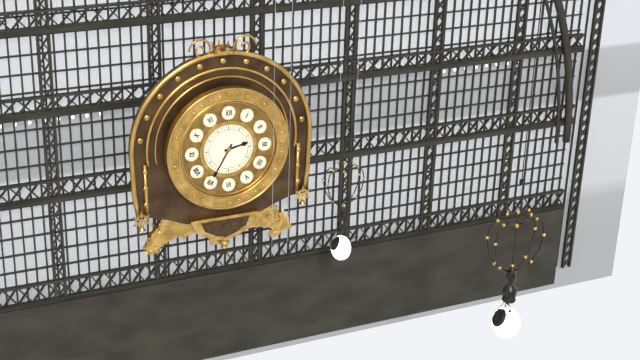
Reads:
2,35
